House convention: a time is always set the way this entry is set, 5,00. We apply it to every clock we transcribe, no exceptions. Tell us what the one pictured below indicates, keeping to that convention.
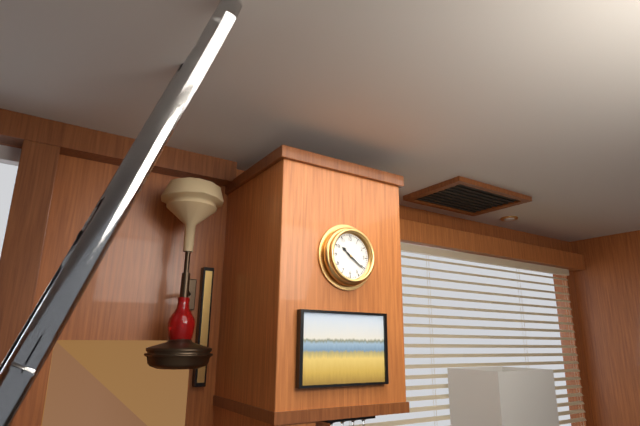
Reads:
10,21
